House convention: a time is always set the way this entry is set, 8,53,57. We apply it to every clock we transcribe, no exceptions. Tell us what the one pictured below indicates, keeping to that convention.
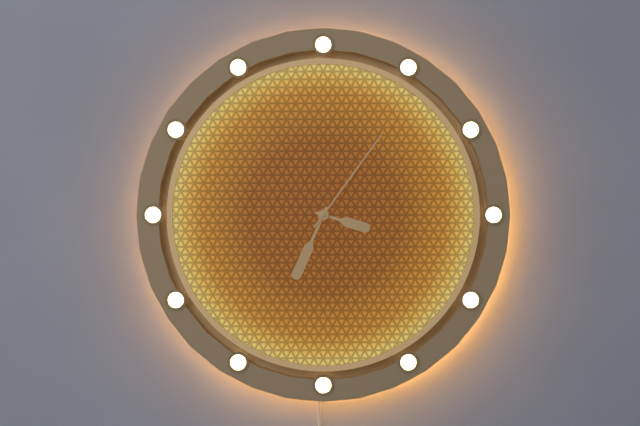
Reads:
3,34,06
